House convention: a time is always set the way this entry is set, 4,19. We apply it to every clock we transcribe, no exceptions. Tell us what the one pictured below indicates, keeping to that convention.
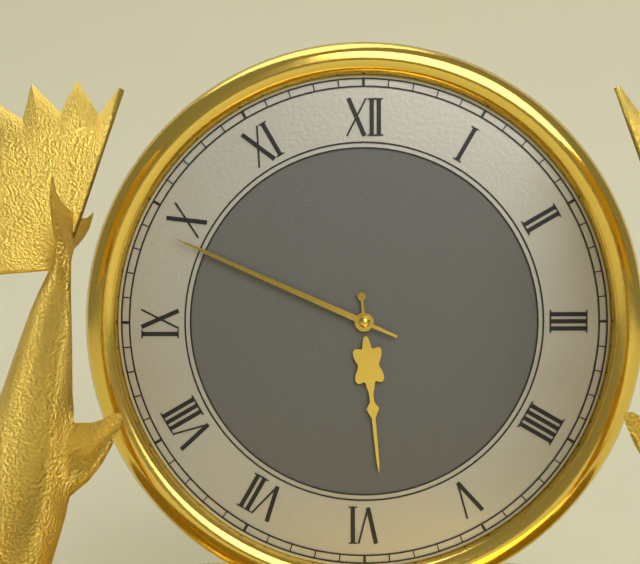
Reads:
5,49
